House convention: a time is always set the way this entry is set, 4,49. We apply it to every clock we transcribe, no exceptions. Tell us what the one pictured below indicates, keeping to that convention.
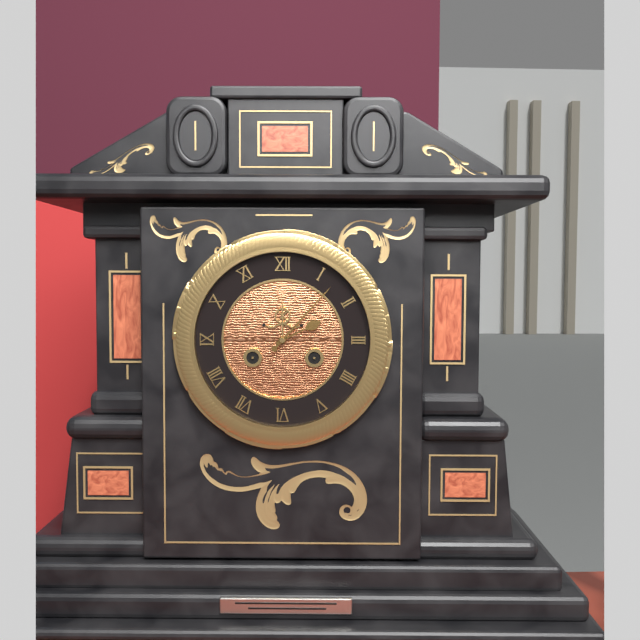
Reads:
2,07
